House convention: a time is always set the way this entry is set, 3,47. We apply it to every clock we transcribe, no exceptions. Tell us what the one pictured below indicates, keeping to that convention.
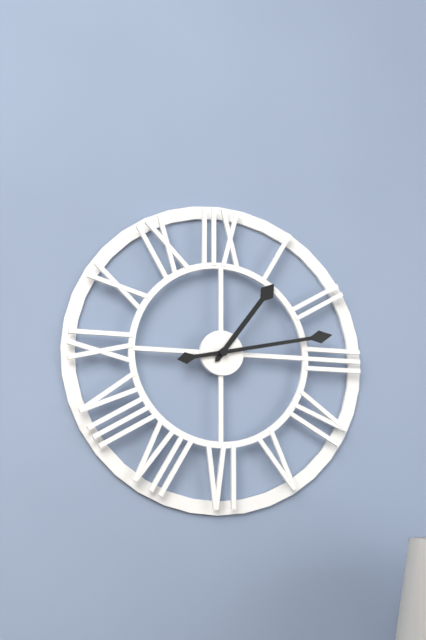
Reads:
1,13
